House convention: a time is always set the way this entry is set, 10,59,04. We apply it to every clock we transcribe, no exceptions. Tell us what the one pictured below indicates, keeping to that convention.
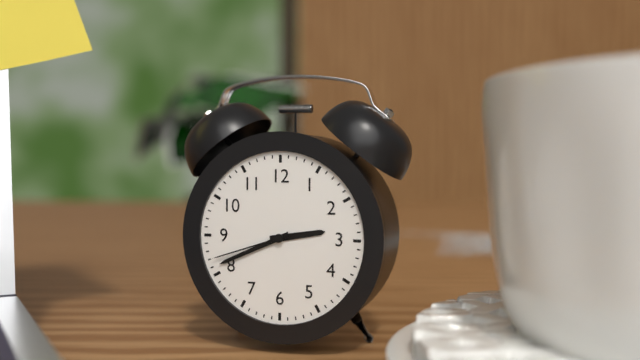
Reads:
2,41,42
